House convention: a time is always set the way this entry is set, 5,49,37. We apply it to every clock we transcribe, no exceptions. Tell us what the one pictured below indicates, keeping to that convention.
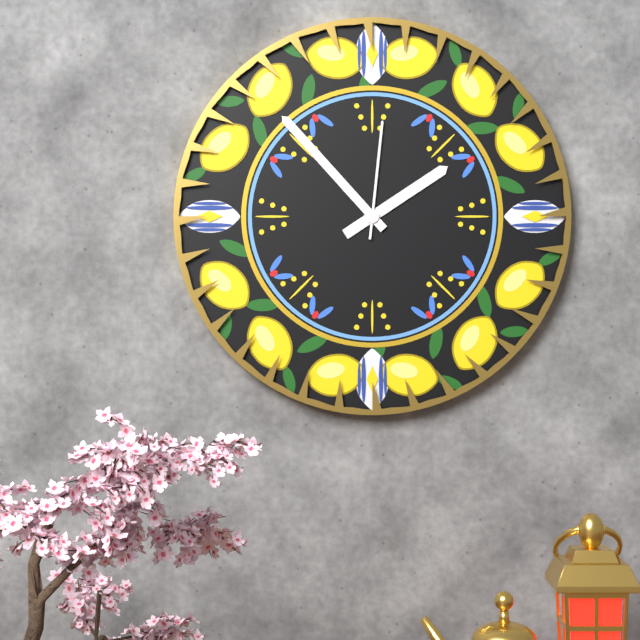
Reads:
1,53,01
